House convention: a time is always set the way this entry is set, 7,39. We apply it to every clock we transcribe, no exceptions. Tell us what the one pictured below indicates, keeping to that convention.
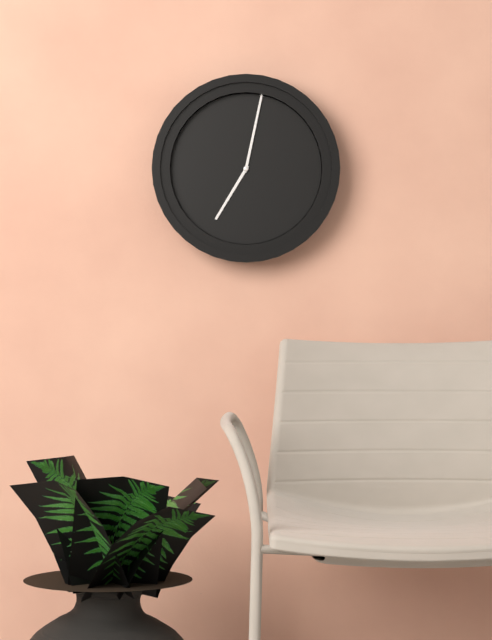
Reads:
7,02
